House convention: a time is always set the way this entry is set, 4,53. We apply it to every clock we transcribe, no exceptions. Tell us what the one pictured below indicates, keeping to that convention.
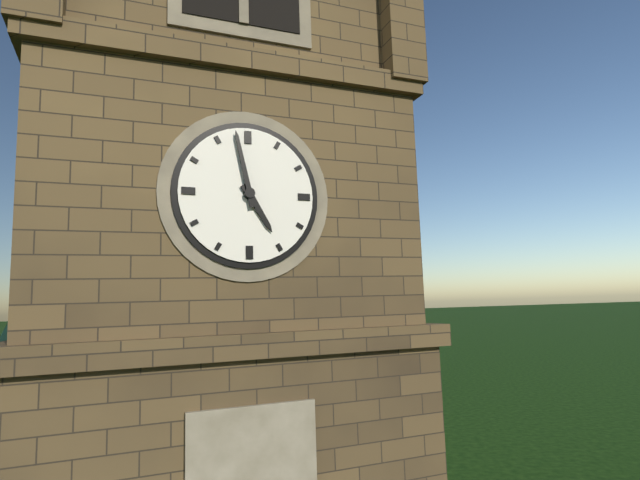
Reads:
4,58
